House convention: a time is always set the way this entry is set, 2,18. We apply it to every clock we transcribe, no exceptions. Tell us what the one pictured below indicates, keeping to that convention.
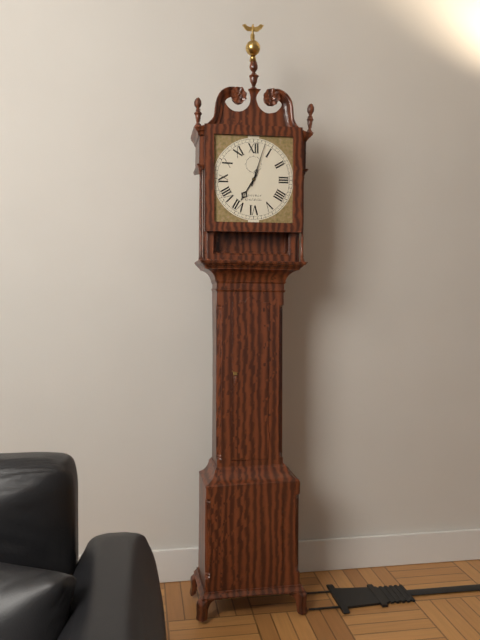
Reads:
7,03
